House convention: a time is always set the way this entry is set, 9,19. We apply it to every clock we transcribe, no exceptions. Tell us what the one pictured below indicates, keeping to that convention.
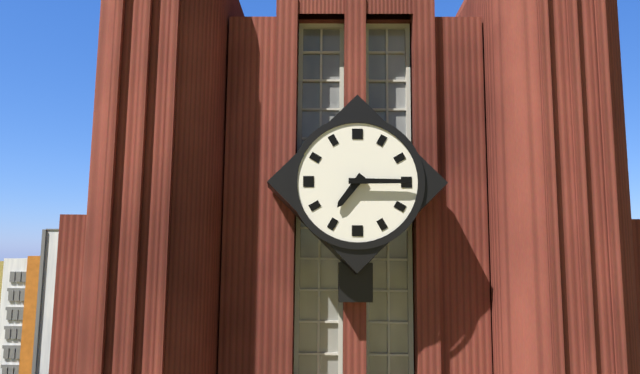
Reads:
7,15
